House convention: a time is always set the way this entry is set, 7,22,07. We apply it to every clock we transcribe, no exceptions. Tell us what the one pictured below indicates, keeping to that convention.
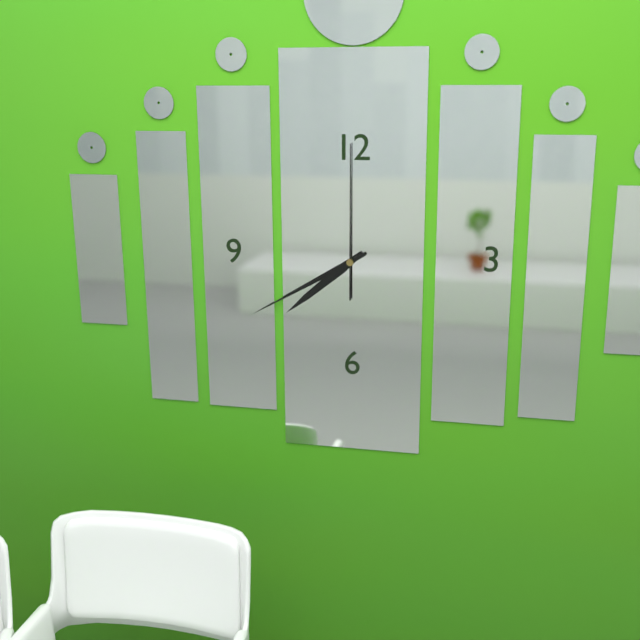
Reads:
7,40,00
